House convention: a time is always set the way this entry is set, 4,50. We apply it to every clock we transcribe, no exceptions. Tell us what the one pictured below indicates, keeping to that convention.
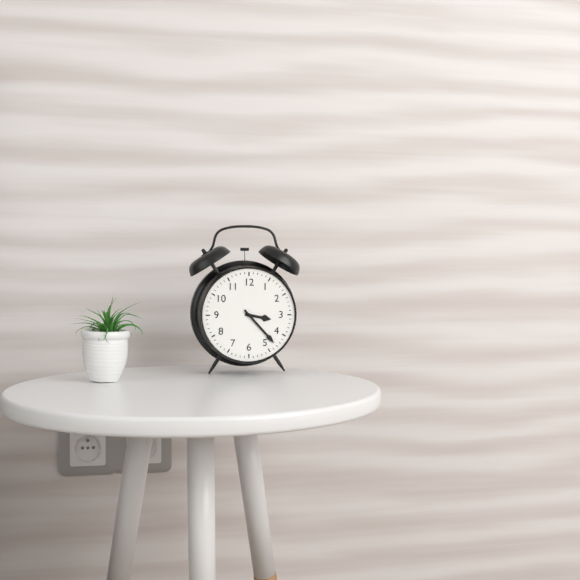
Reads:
3,23
